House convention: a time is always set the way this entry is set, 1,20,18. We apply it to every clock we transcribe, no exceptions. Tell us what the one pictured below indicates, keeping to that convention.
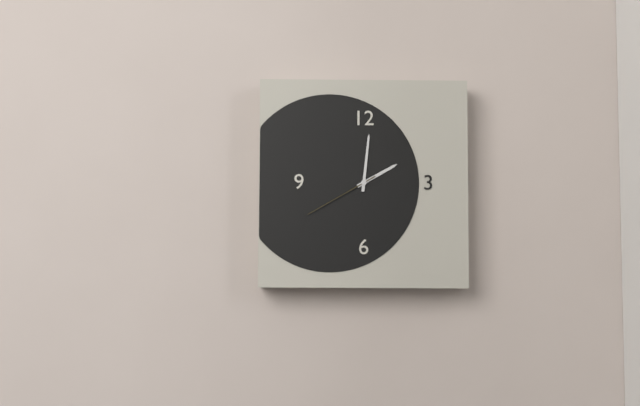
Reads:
2,01,40
